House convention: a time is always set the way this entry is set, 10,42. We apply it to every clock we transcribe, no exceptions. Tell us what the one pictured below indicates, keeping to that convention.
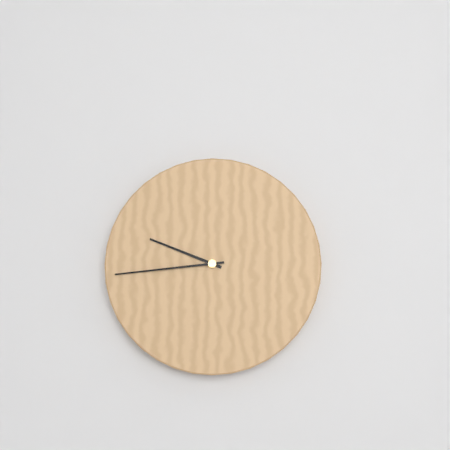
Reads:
9,44
